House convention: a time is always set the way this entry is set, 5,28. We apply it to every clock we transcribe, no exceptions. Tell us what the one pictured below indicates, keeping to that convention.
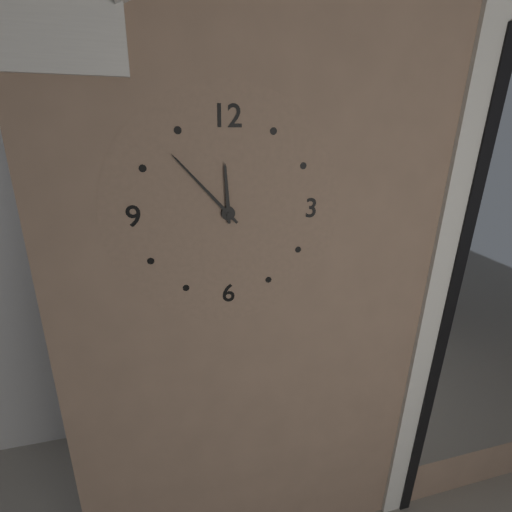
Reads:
11,53
